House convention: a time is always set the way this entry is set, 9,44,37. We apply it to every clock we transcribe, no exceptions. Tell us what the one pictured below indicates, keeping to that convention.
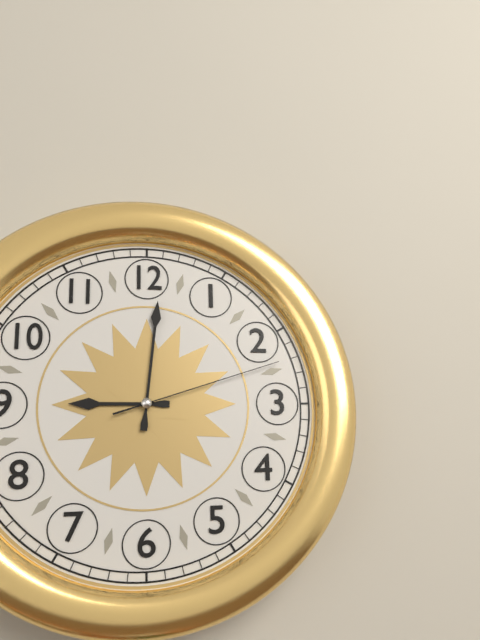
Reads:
9,01,12
